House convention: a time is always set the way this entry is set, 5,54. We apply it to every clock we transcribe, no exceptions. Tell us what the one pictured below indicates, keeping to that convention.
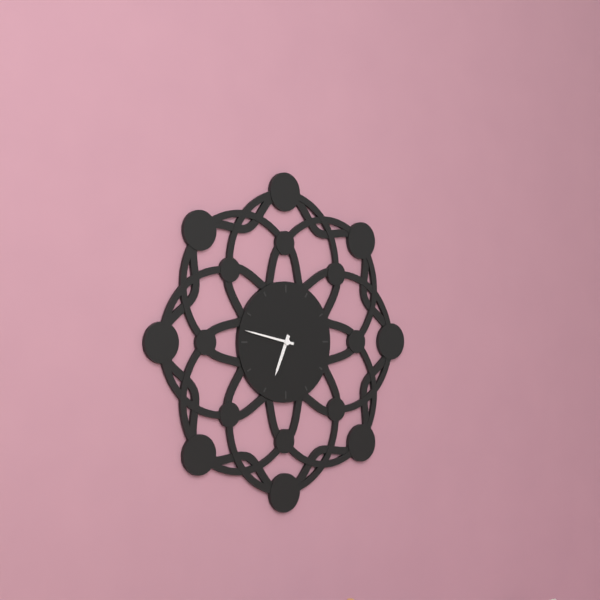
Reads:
6,47
